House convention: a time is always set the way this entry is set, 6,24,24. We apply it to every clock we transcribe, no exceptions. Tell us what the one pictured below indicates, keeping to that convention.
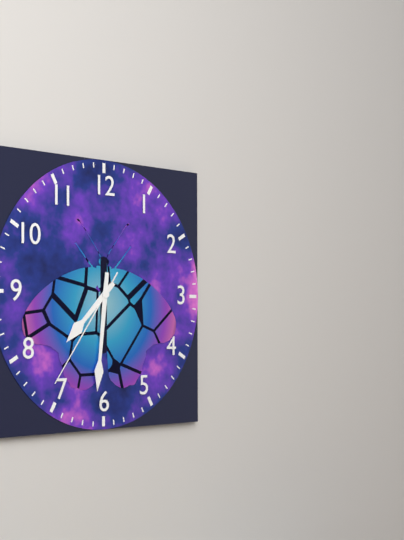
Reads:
7,31,36
